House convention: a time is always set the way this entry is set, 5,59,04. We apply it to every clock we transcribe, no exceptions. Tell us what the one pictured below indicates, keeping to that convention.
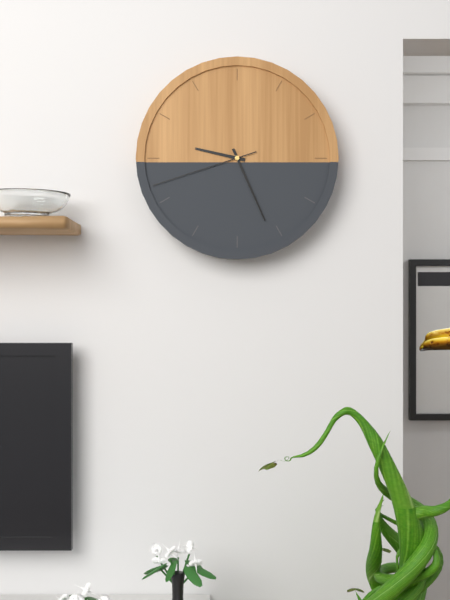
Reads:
9,26,42
